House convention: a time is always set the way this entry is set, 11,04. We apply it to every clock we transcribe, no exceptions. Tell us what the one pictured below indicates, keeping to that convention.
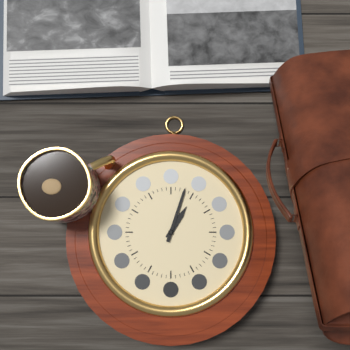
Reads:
1,03
